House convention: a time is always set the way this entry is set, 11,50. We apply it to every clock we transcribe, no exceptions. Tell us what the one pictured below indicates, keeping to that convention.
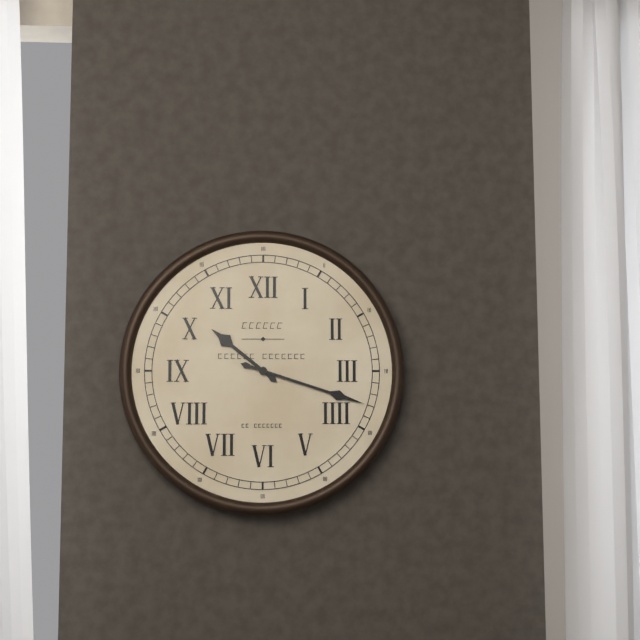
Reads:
10,18
